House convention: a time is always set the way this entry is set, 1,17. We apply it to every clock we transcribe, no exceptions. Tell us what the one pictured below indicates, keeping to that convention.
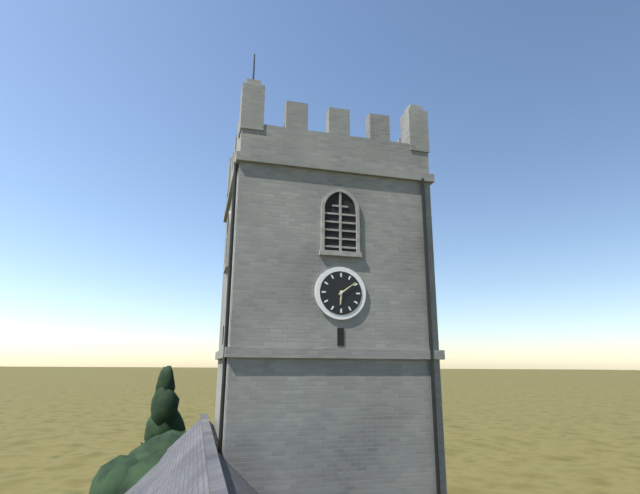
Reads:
6,09
